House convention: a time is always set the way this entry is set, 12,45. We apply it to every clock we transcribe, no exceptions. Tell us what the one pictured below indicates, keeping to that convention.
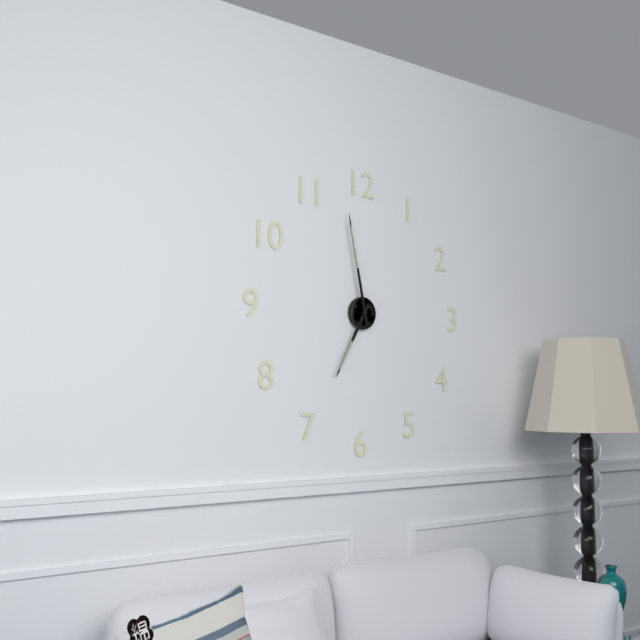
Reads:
6,58
